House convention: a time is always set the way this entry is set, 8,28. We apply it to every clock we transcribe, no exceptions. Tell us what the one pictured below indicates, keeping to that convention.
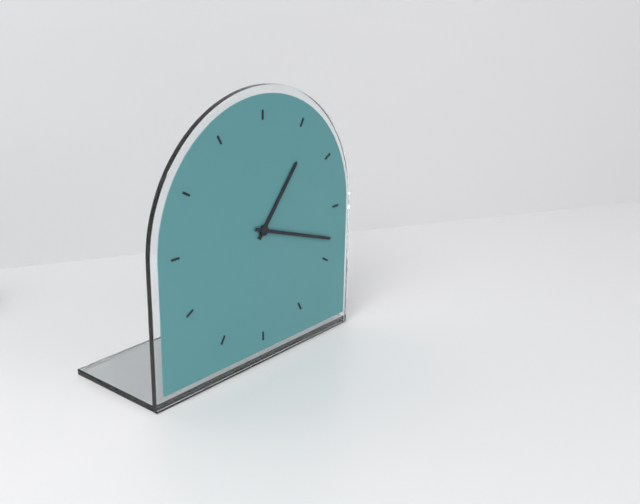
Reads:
1,18
